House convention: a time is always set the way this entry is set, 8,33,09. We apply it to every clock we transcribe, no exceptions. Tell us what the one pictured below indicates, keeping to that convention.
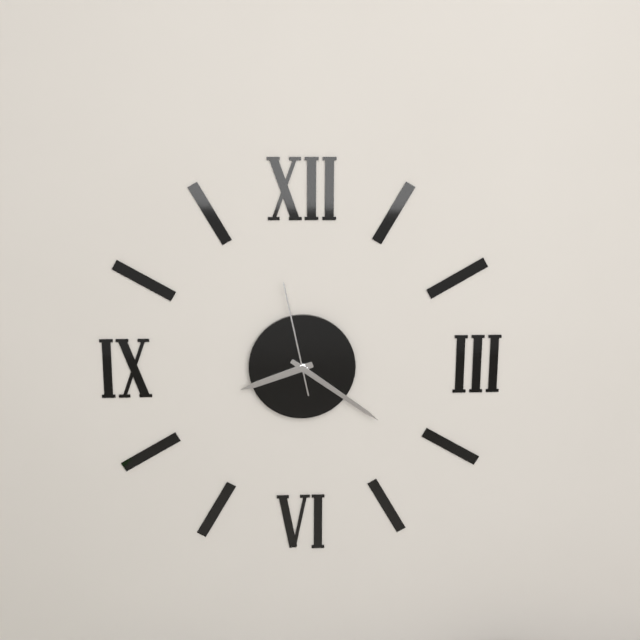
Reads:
8,21,58
